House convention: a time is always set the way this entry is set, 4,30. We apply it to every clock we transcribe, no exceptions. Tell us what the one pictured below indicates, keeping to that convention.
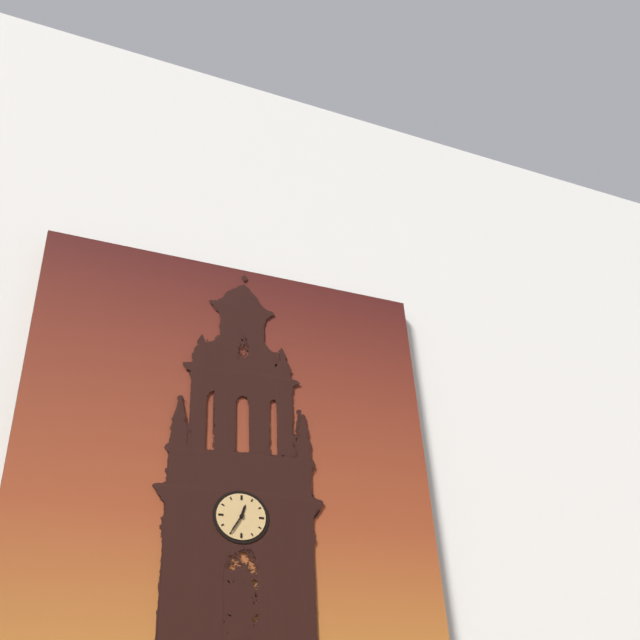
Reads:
12,35
